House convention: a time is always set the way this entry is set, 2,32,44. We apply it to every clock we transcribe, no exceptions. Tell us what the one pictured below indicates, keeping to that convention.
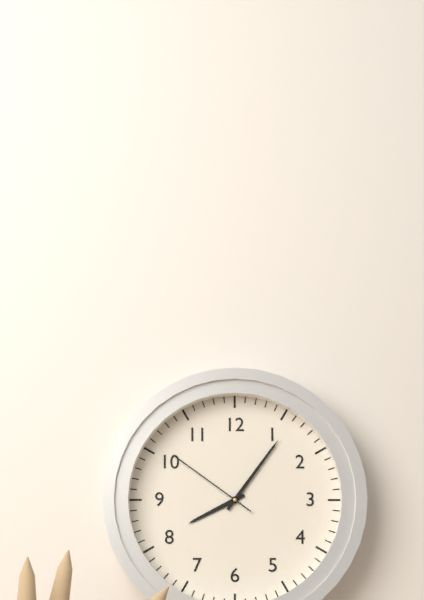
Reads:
8,06,51
